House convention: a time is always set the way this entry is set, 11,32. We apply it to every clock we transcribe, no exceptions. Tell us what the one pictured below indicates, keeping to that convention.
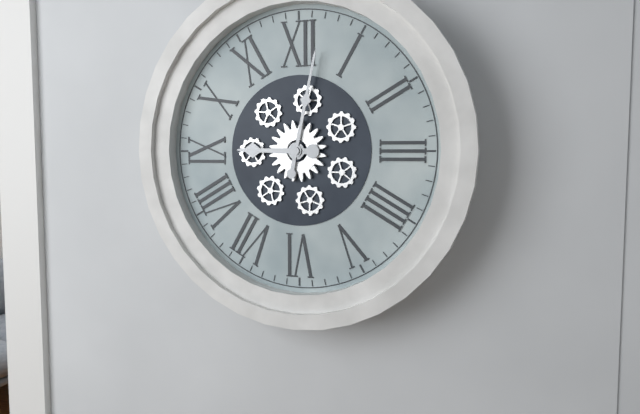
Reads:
9,02
